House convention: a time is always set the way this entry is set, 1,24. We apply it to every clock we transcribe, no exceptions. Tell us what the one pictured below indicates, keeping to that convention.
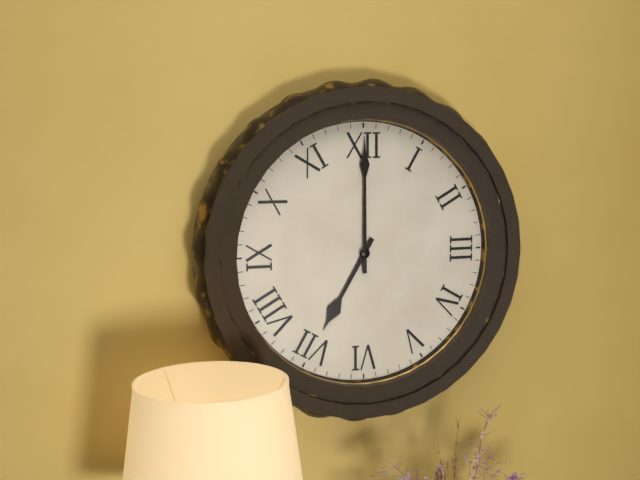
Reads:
7,00
